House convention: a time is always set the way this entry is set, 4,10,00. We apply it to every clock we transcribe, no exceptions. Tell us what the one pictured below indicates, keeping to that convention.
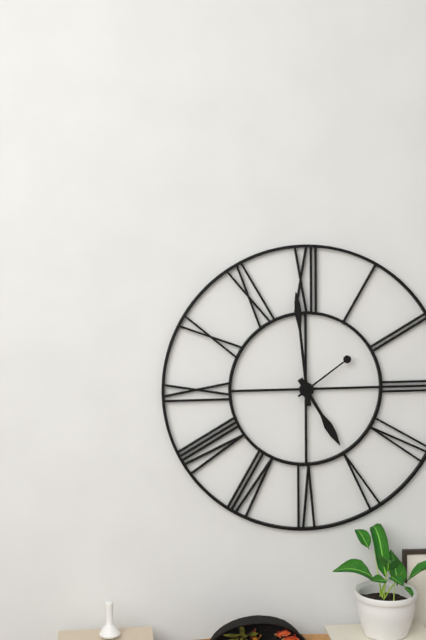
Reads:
4,59,09
